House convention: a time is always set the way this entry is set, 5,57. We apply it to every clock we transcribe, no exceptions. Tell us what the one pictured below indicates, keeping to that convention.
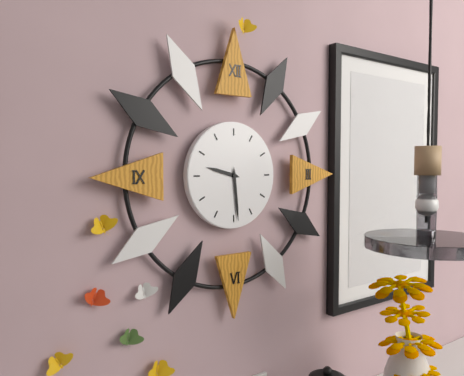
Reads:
9,29
